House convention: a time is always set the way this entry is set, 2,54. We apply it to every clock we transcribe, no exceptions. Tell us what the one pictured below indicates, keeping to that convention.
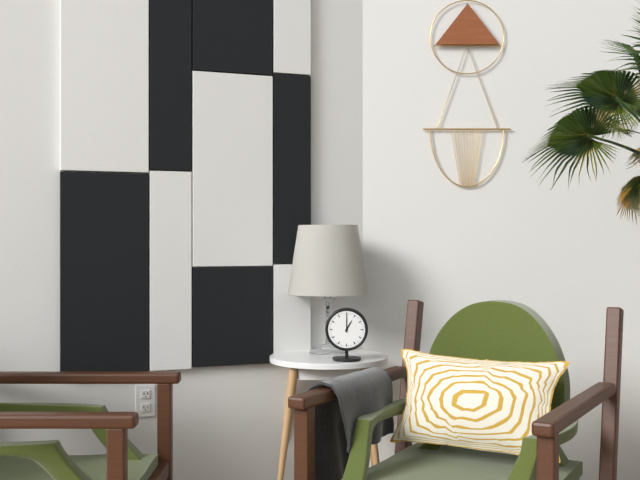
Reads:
1,00
